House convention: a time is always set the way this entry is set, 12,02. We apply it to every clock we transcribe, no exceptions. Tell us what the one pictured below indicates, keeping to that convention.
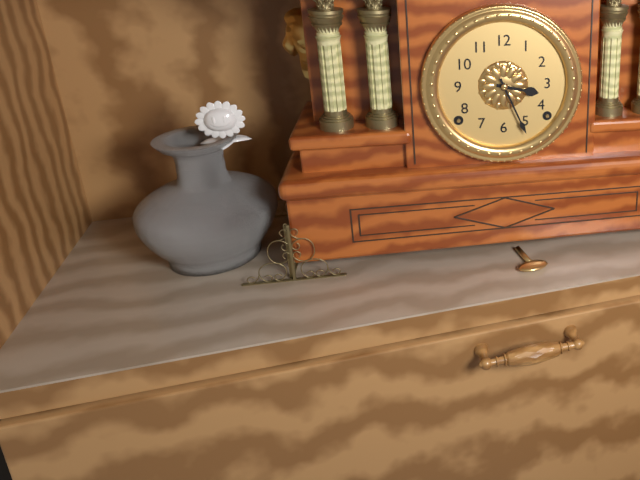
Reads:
3,26
